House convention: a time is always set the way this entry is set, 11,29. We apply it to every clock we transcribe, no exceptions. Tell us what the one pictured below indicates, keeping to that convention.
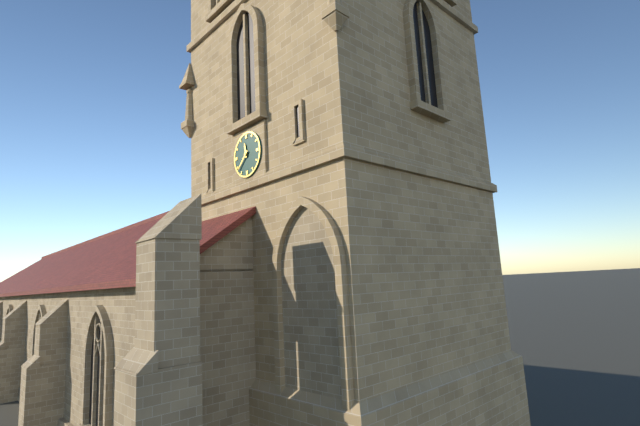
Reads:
11,38
